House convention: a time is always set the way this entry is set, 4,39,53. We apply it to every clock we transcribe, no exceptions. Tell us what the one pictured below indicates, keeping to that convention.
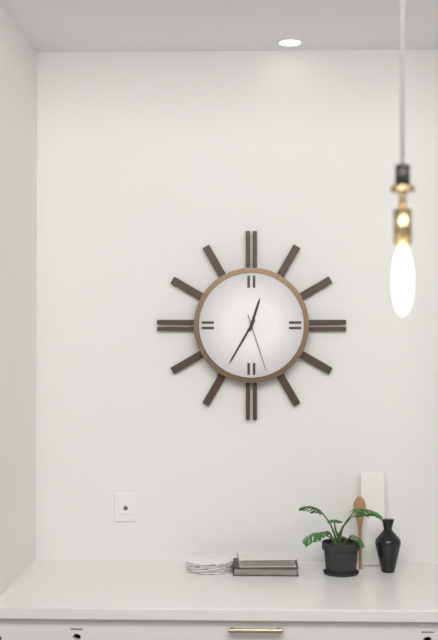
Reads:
12,35,27
